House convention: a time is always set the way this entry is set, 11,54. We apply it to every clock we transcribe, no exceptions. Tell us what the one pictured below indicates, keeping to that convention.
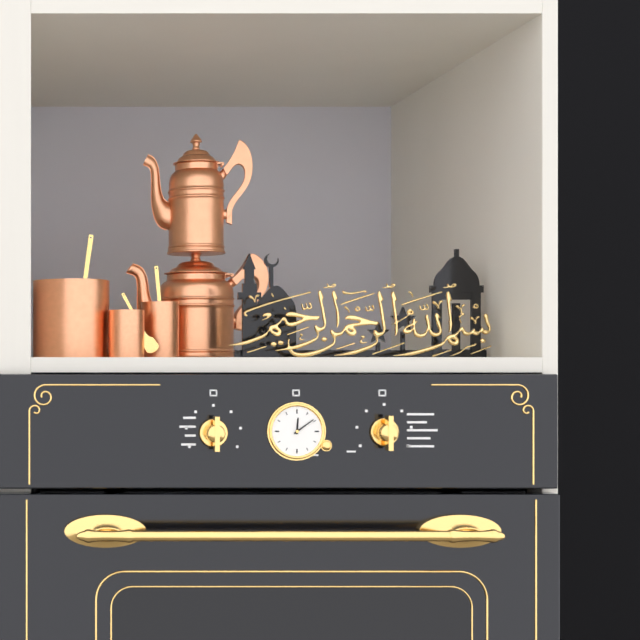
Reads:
12,09
